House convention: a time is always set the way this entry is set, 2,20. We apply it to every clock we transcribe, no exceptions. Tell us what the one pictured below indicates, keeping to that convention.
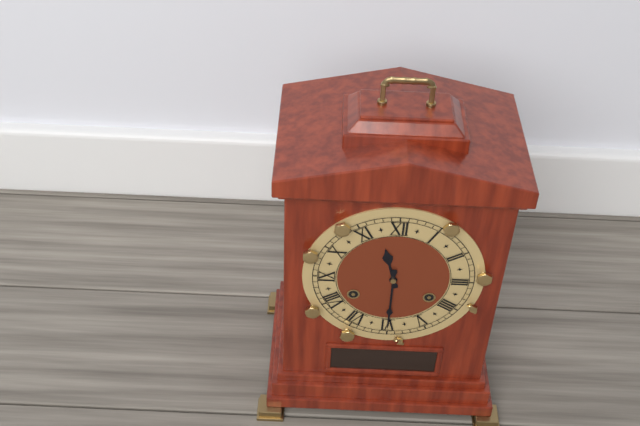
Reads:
11,30
